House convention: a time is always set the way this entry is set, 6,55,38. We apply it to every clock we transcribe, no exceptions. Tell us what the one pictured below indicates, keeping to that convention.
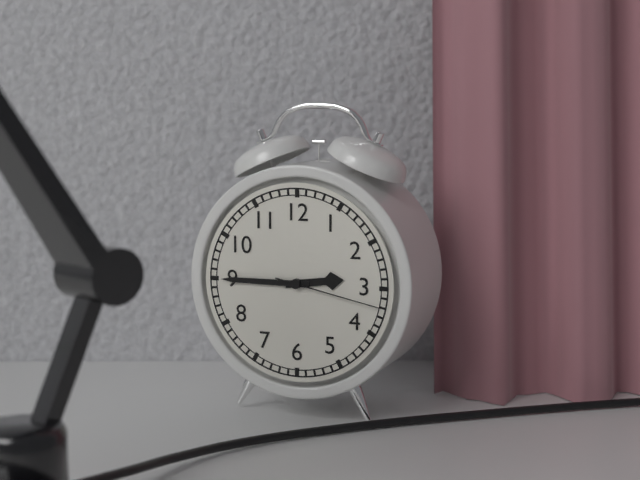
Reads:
2,45,17
